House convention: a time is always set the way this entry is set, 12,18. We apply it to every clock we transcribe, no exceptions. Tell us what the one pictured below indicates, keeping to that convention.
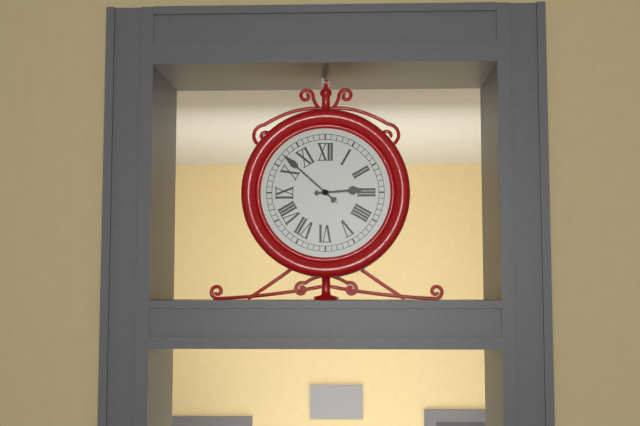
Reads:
2,52
